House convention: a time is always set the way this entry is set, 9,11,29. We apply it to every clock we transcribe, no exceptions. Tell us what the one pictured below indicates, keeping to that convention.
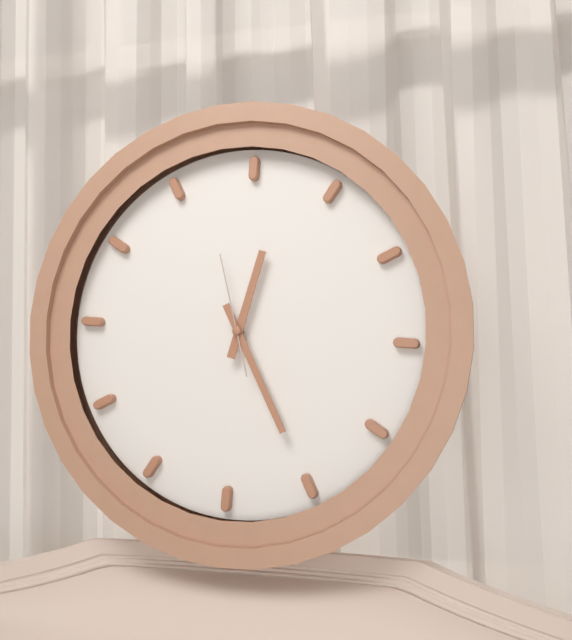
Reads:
12,25,57
